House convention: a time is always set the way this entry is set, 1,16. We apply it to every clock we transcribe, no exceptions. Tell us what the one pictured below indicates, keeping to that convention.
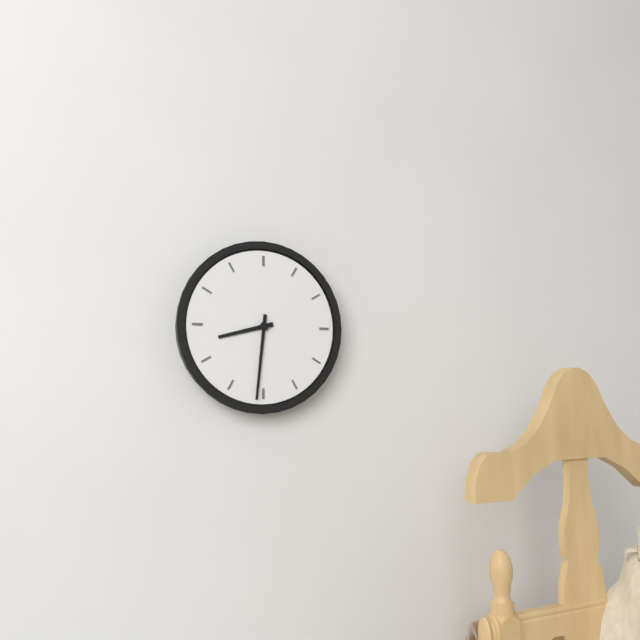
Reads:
8,31
